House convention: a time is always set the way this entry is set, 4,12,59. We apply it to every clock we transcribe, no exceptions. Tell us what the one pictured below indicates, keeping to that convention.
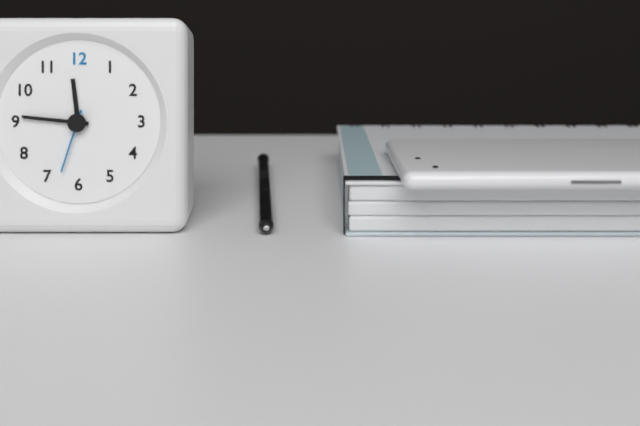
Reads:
11,46,33
